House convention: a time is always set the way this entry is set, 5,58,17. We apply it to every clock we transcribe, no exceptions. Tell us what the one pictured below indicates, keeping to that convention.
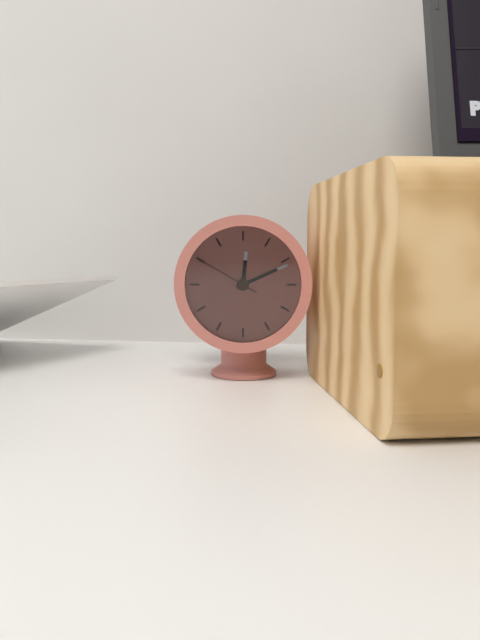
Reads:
12,11,50
